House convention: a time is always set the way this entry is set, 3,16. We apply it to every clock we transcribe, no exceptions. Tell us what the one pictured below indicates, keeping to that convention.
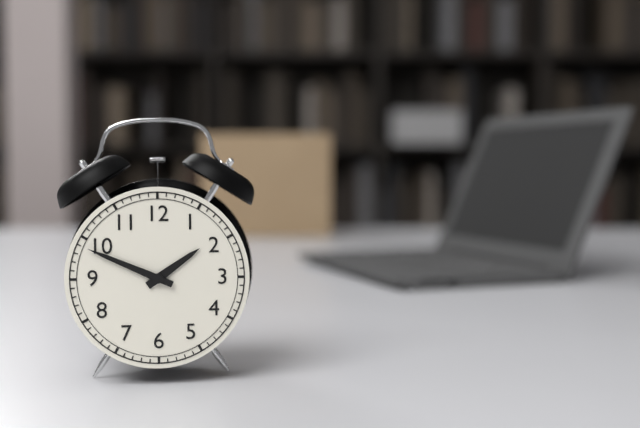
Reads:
1,49
